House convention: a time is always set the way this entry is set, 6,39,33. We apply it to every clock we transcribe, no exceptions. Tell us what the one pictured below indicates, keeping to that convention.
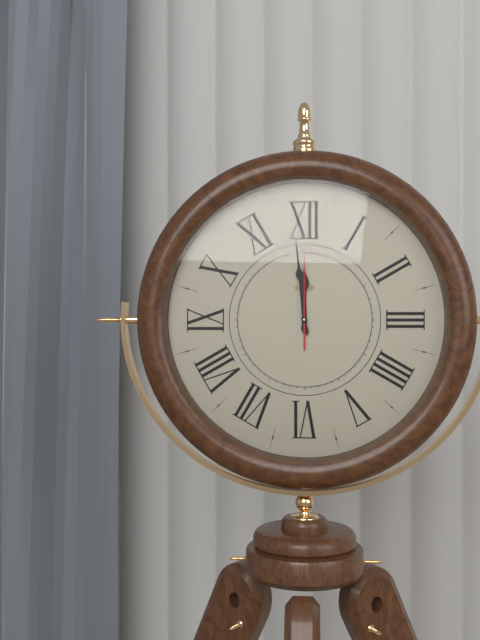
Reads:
11,59,00
